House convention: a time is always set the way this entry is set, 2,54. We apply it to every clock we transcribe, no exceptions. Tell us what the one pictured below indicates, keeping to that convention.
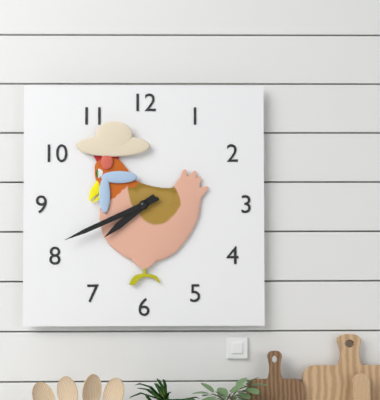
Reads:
7,41
